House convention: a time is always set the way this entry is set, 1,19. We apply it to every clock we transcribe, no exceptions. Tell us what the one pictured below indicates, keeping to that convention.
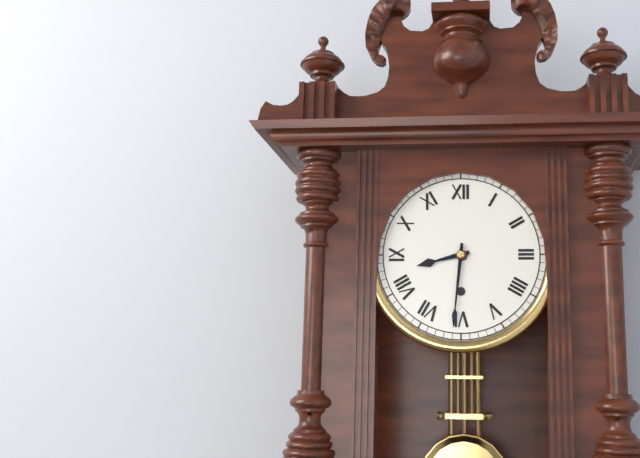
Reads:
8,31
